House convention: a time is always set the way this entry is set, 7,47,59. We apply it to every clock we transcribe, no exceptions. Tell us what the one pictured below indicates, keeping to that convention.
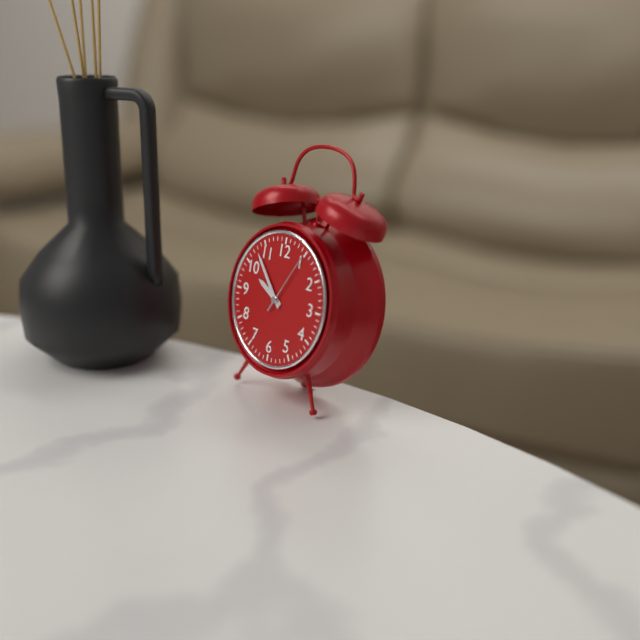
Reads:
9,53,05
